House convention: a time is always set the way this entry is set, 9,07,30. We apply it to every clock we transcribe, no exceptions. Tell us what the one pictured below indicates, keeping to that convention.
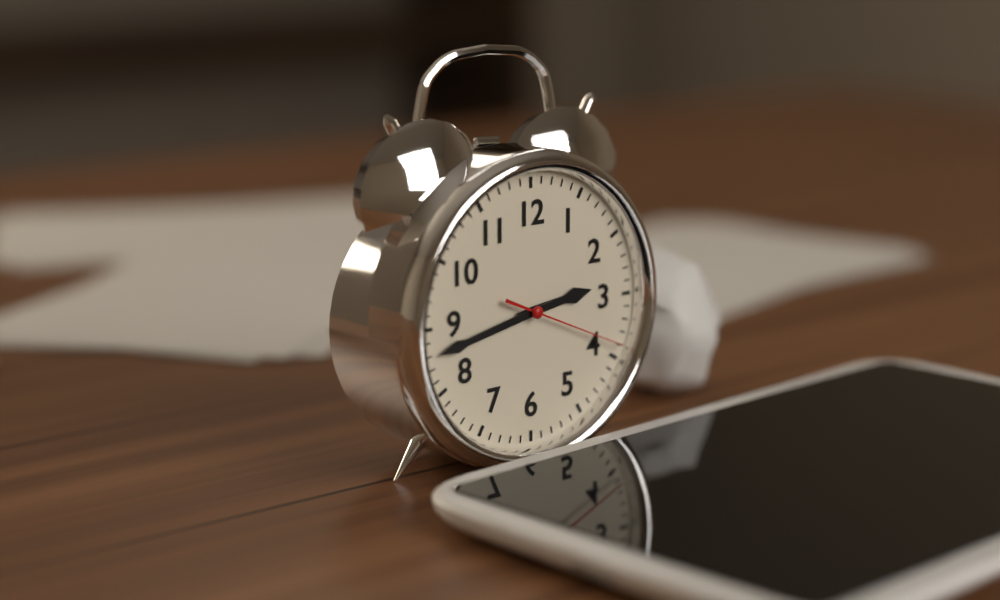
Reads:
2,43,19
